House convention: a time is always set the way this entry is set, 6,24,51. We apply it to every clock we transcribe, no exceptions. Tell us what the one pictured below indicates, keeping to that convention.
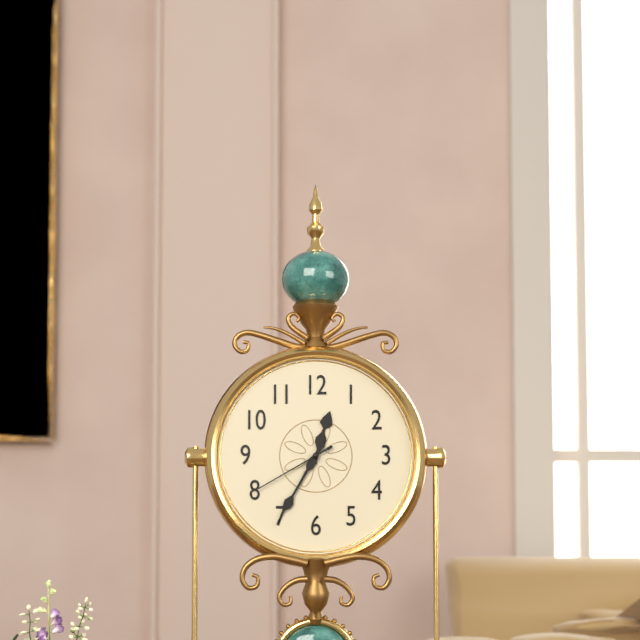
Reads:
12,35,40
